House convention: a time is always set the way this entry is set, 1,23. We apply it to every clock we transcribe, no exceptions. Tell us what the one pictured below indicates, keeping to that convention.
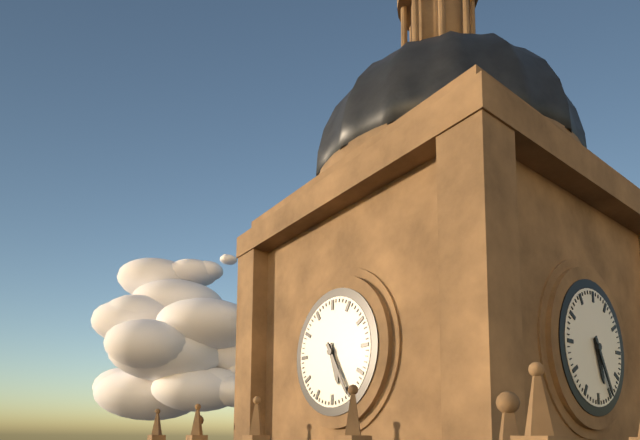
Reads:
5,25
